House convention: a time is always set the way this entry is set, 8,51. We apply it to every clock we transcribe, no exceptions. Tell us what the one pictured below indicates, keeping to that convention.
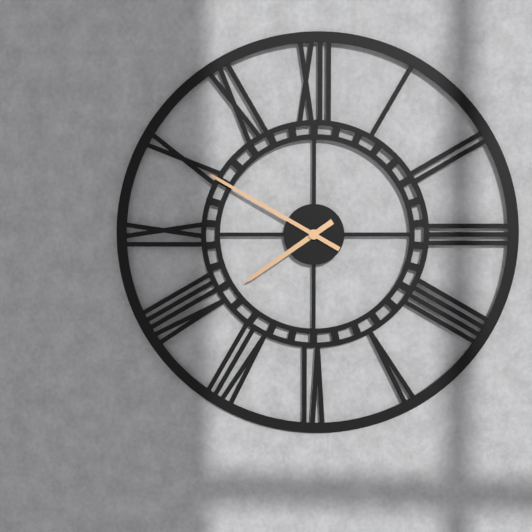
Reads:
7,50
